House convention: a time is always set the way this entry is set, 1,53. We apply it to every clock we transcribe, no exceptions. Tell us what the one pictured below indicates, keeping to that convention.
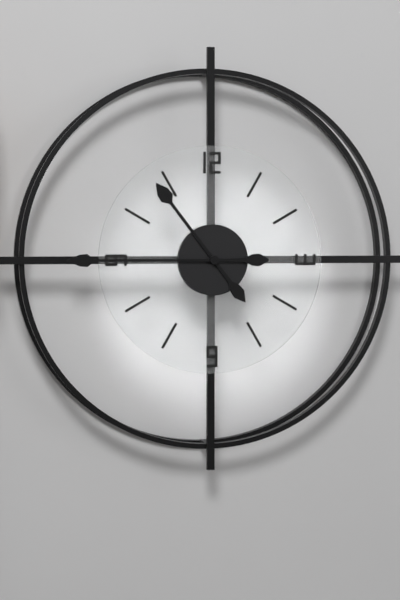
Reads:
10,45
